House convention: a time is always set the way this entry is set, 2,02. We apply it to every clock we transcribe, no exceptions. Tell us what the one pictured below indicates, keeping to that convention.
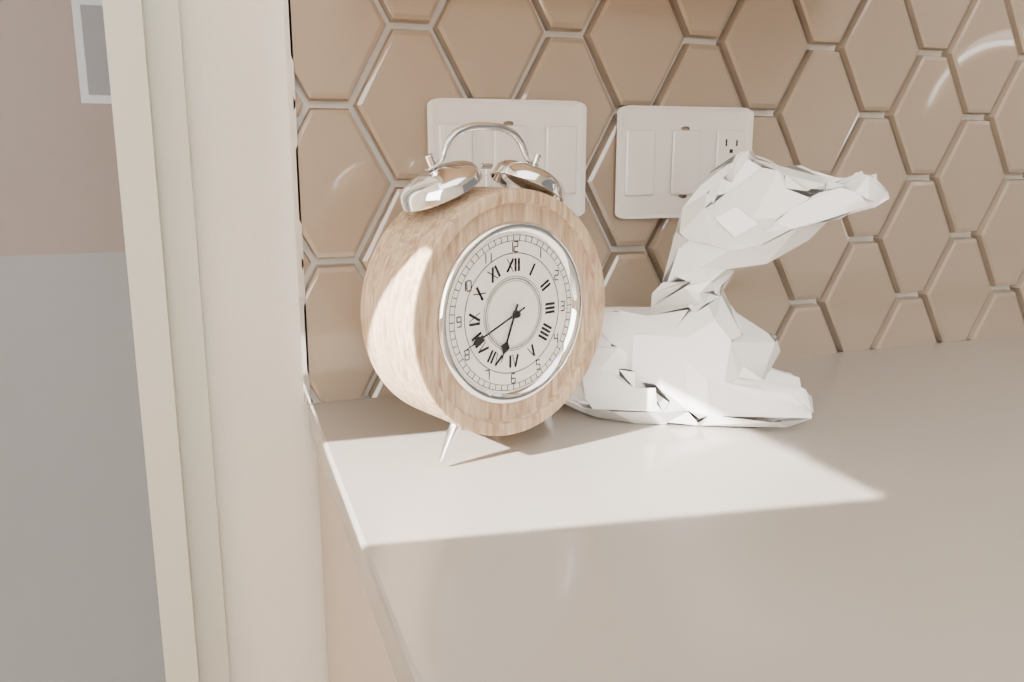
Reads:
6,41
